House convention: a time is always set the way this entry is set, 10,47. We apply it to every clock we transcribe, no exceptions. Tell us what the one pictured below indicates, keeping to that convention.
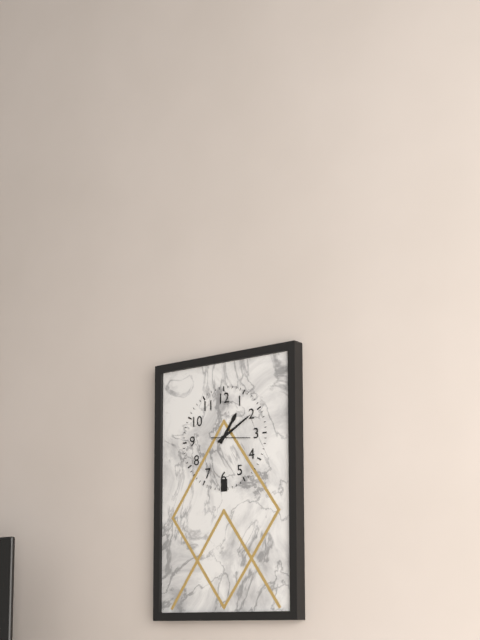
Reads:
1,10
